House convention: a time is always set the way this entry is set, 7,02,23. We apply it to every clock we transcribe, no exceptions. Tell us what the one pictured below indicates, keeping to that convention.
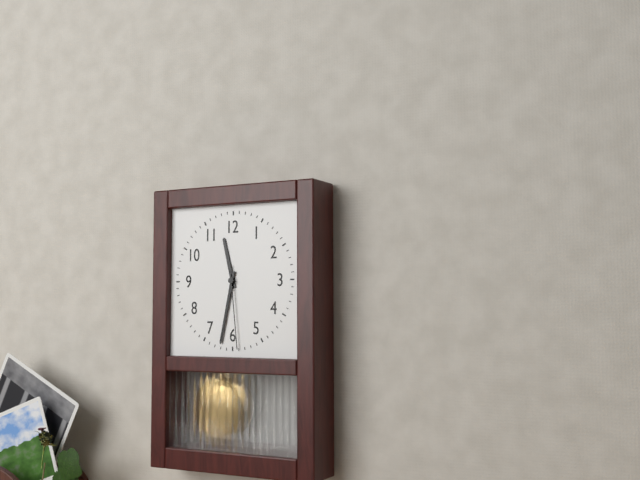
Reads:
11,32,29
